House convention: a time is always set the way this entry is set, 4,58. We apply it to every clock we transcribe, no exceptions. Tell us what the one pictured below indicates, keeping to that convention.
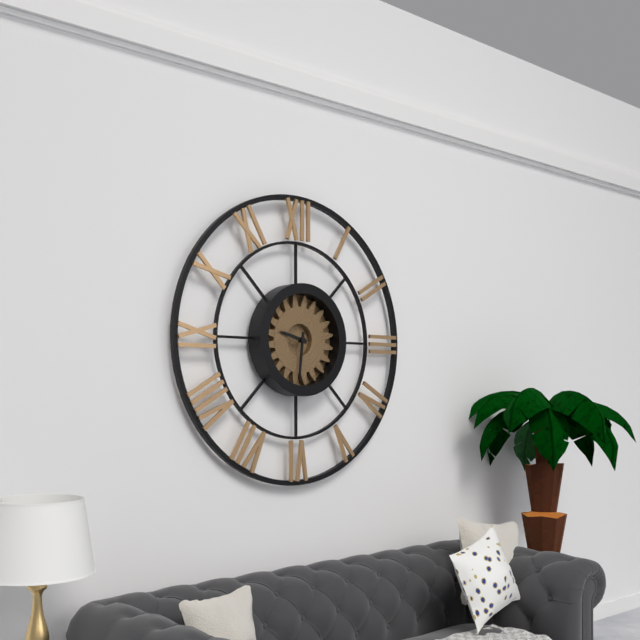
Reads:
9,31
